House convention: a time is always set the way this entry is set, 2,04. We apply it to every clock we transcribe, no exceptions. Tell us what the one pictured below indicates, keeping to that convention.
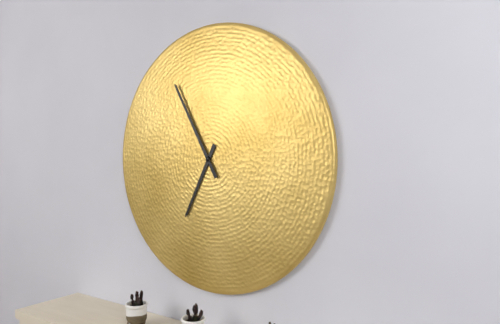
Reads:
6,55
